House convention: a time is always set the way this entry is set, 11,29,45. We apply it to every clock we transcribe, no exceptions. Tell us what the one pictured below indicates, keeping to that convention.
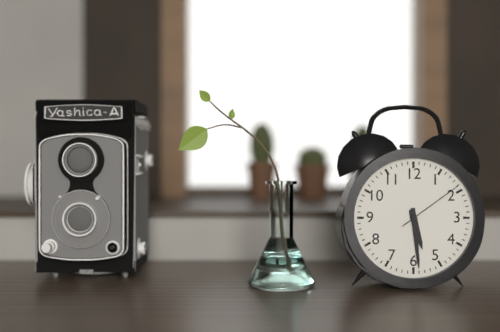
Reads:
5,29,09
